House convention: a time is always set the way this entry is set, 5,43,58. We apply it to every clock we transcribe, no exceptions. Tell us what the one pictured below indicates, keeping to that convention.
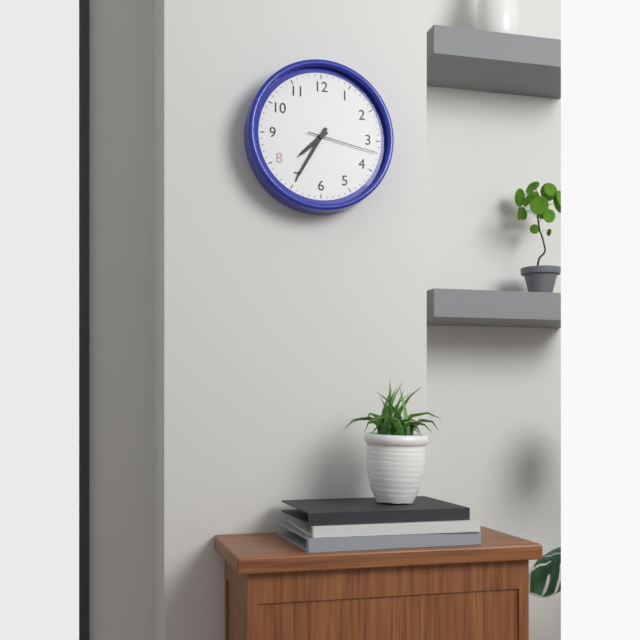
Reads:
7,35,17
